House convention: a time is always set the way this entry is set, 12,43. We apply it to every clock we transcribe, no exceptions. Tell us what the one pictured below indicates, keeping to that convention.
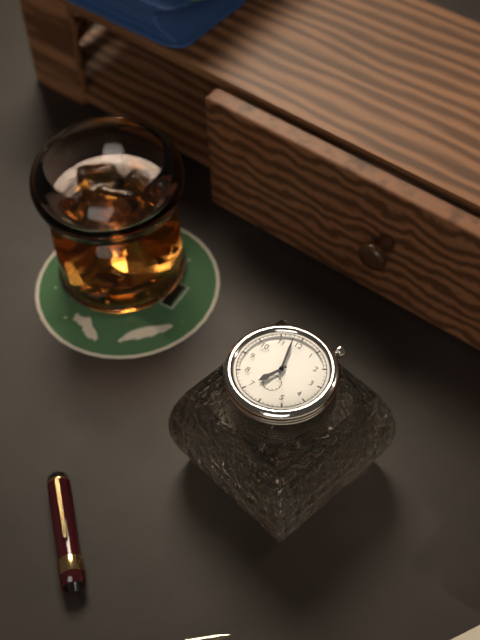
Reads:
6,58
